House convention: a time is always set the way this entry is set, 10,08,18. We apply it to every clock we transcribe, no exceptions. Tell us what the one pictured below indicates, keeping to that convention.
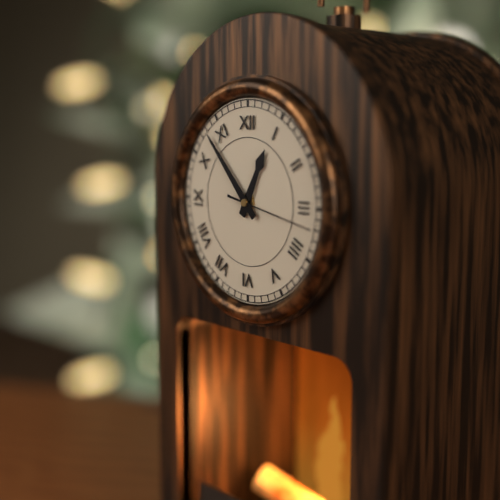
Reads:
12,53,17
